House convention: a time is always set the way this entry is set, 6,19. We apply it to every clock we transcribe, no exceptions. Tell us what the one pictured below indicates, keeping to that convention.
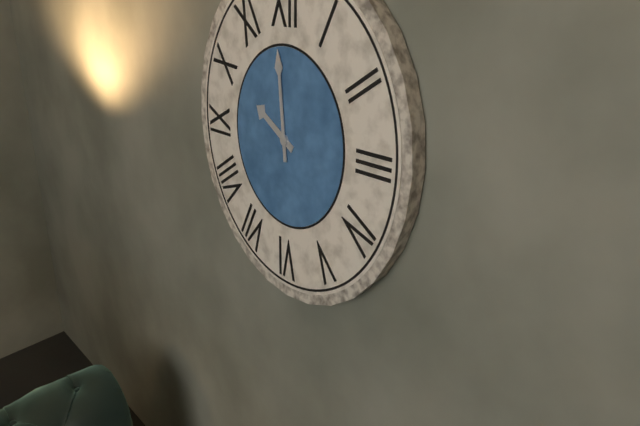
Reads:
9,59
